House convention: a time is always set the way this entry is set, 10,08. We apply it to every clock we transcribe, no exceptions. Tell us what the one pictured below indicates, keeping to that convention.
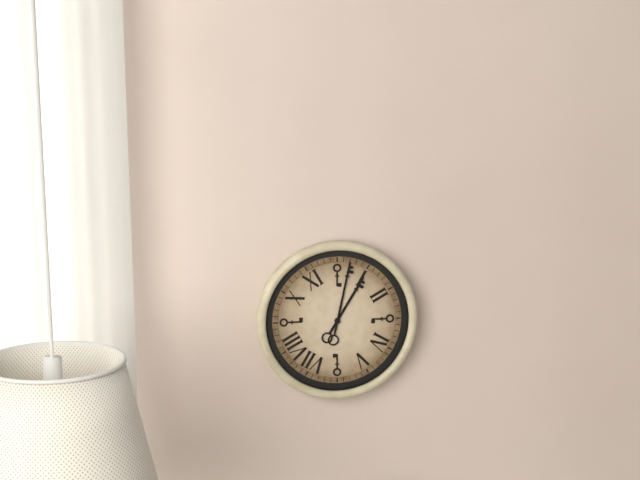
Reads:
1,02
